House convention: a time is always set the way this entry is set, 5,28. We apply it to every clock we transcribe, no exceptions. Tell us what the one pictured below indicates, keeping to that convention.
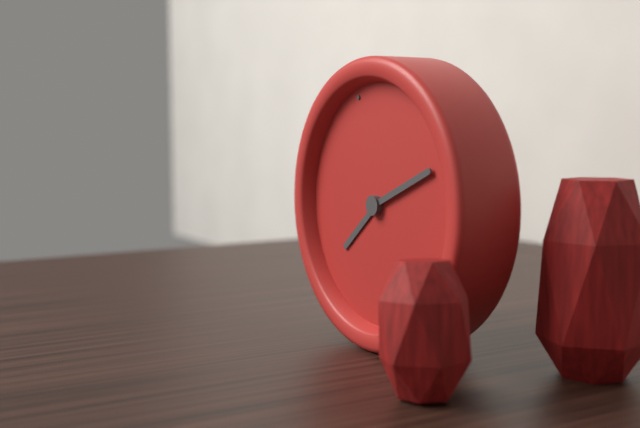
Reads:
8,14
